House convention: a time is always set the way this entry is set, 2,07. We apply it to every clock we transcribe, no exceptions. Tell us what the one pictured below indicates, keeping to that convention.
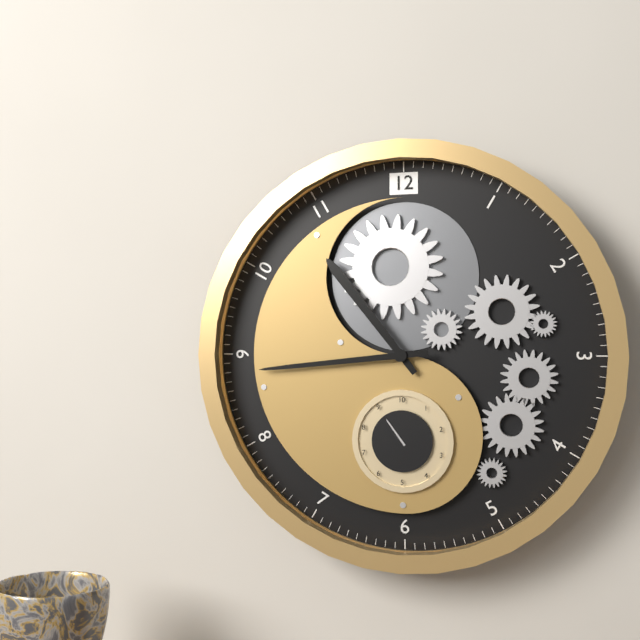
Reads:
10,44
